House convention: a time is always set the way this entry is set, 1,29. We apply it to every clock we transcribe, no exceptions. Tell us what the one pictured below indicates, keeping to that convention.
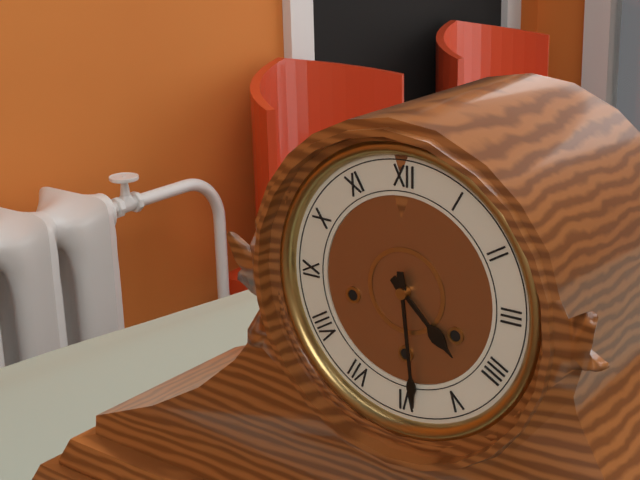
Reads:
4,29
